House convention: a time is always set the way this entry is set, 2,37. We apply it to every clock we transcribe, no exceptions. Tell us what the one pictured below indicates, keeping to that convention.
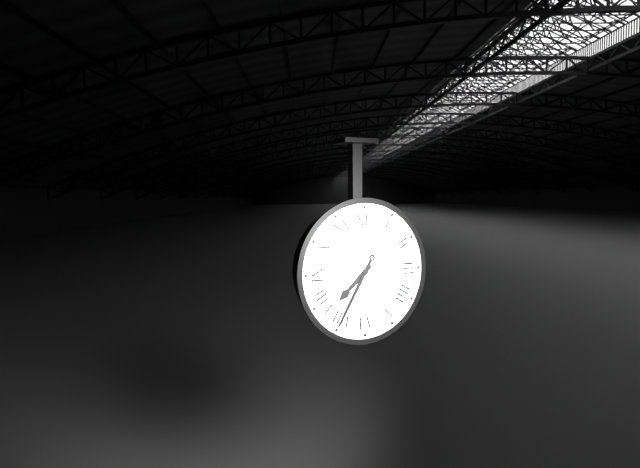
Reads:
7,35
